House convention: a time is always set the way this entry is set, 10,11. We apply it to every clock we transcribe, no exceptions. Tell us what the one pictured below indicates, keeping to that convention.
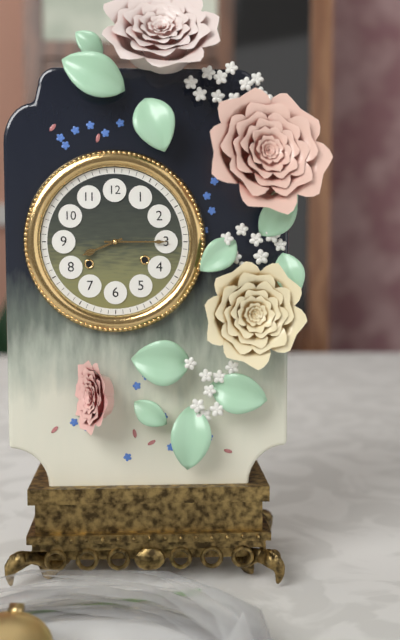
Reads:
8,15
